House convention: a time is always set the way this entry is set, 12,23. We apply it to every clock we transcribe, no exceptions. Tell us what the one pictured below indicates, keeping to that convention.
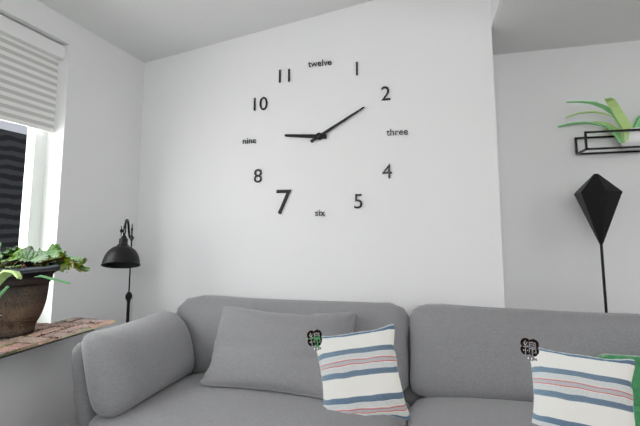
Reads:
9,10
